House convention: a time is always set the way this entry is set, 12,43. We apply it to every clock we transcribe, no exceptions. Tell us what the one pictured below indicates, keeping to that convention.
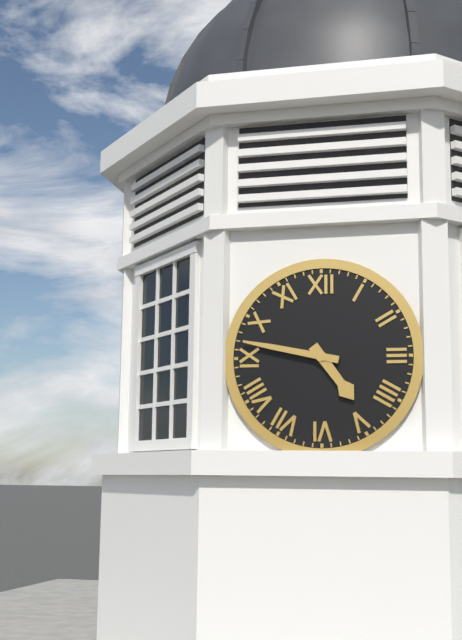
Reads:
4,47
